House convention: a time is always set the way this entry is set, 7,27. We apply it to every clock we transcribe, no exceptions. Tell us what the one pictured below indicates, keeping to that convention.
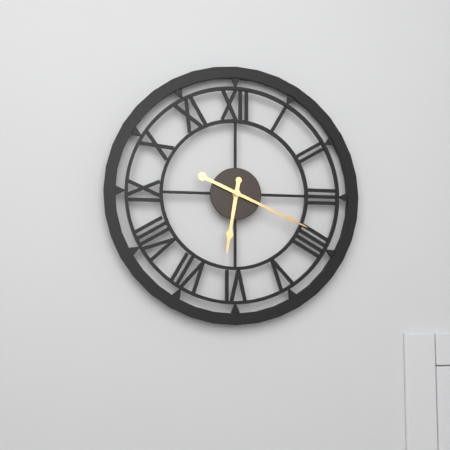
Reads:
6,19
